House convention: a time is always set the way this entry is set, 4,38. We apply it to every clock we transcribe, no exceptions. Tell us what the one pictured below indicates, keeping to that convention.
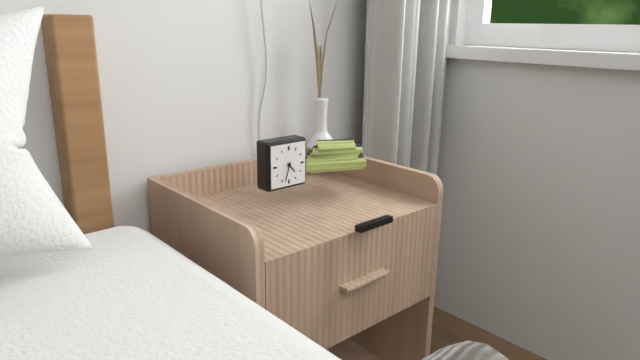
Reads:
4,33
